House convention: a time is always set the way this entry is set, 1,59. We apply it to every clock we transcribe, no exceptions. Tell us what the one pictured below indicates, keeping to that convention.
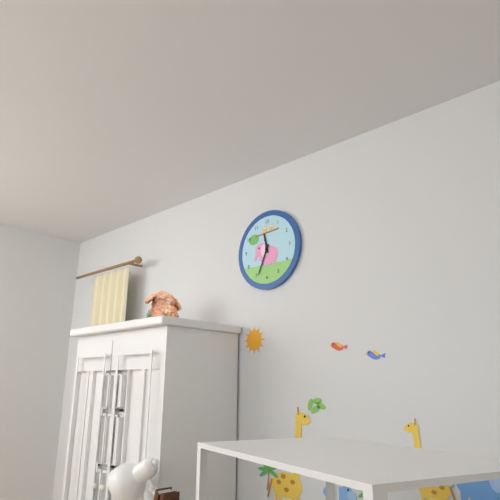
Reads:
11,34
